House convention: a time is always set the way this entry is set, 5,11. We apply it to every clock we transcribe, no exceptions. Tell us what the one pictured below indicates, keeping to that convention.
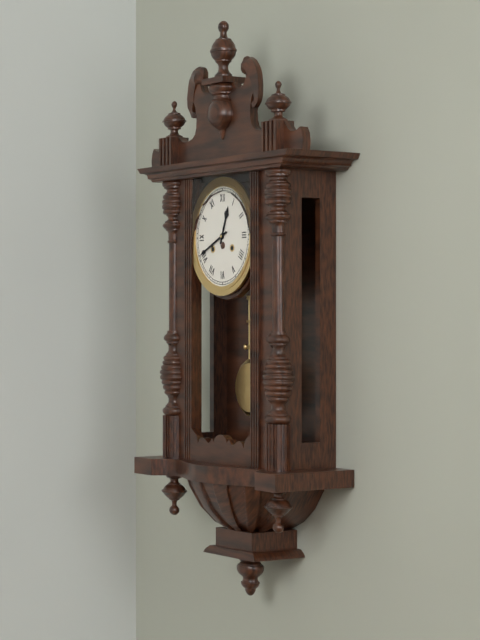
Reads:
12,41
